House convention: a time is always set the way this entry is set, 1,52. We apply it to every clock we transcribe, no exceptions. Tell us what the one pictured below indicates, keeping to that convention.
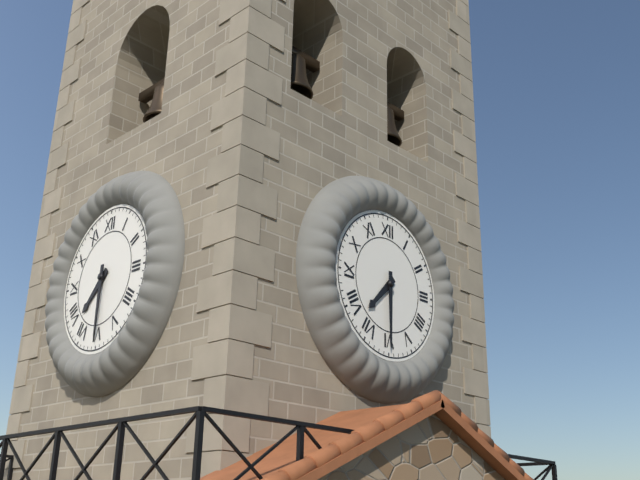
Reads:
7,30
